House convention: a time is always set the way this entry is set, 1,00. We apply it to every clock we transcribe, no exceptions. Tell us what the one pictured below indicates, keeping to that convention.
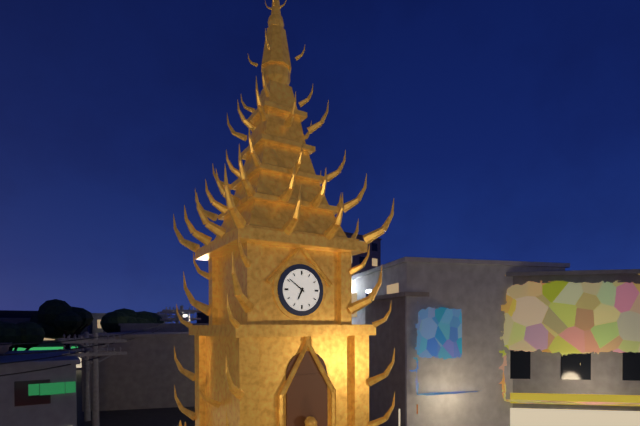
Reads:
6,51
